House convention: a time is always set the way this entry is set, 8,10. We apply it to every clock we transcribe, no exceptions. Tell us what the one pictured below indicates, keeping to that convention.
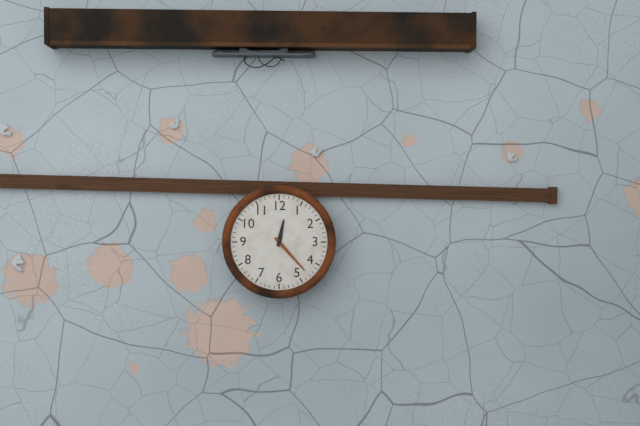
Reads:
12,23
